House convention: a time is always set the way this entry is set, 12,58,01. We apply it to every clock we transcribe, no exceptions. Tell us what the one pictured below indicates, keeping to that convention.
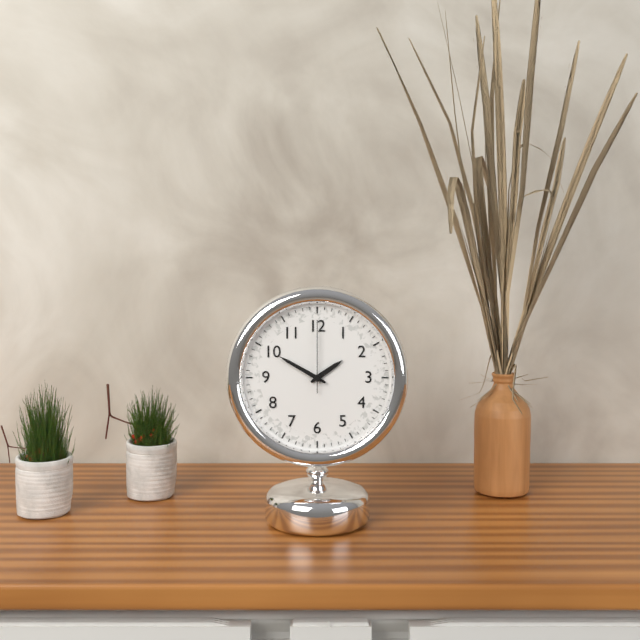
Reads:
1,50,00
